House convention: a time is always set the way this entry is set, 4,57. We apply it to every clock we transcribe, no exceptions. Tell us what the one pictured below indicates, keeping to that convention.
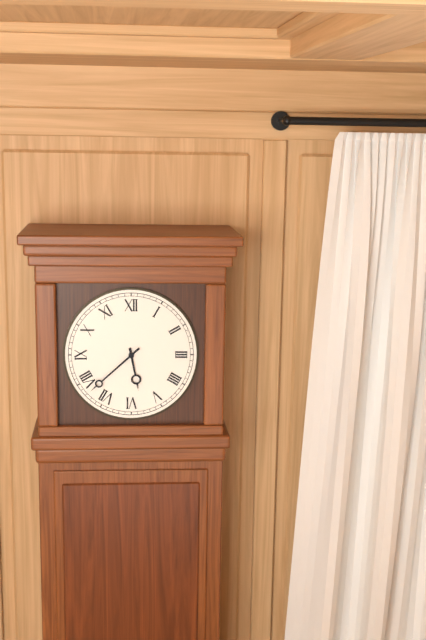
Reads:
5,38
